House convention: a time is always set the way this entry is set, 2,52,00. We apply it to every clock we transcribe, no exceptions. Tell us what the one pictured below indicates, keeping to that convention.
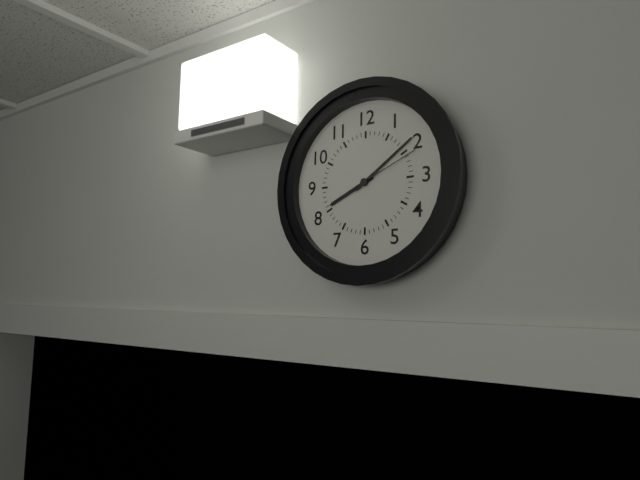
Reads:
8,09,11
